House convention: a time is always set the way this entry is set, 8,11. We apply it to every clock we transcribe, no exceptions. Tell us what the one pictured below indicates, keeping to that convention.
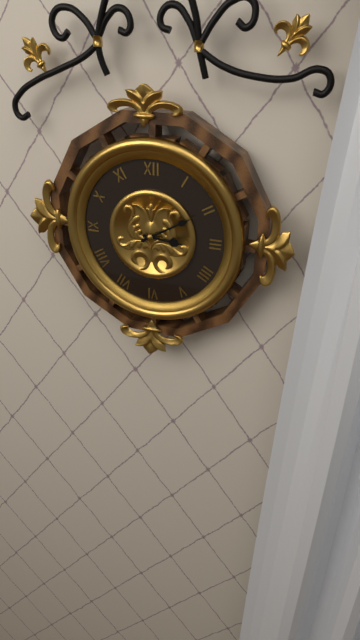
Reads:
3,10
